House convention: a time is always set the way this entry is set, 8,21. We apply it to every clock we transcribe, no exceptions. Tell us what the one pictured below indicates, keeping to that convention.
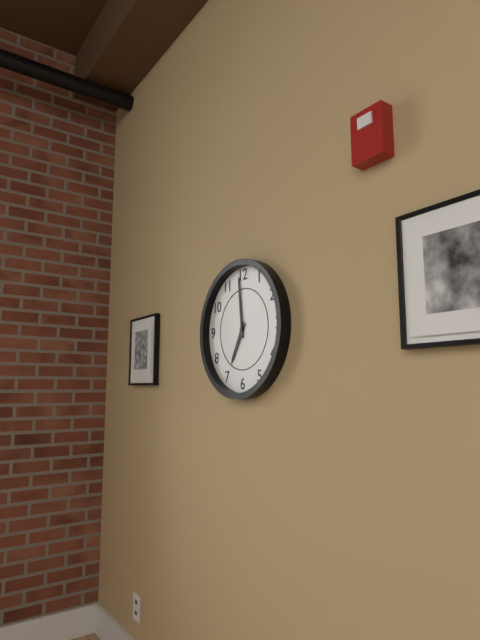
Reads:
6,59
